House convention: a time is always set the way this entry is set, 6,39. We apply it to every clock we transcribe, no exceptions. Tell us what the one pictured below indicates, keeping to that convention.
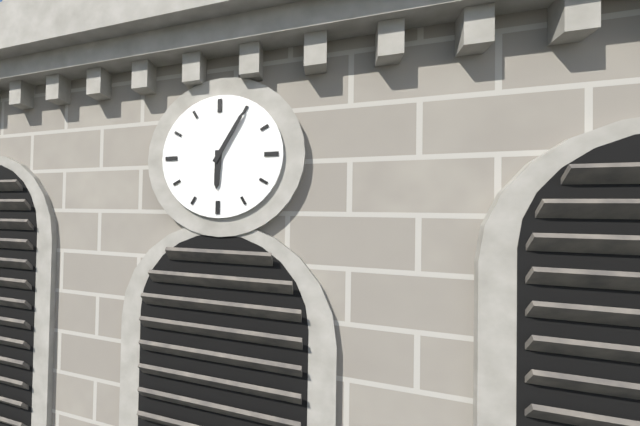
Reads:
6,05
